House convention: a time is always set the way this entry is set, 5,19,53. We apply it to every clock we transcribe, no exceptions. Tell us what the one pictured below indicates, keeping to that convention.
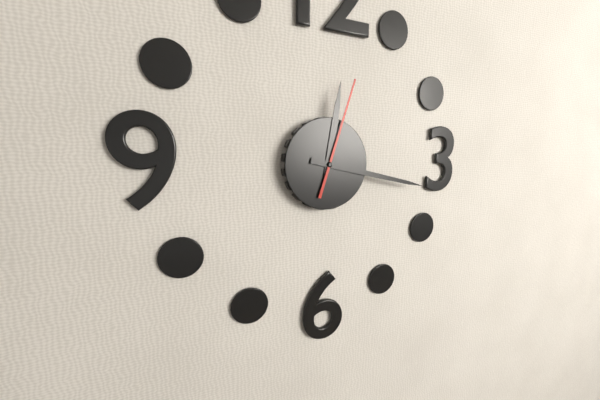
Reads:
12,17,03
